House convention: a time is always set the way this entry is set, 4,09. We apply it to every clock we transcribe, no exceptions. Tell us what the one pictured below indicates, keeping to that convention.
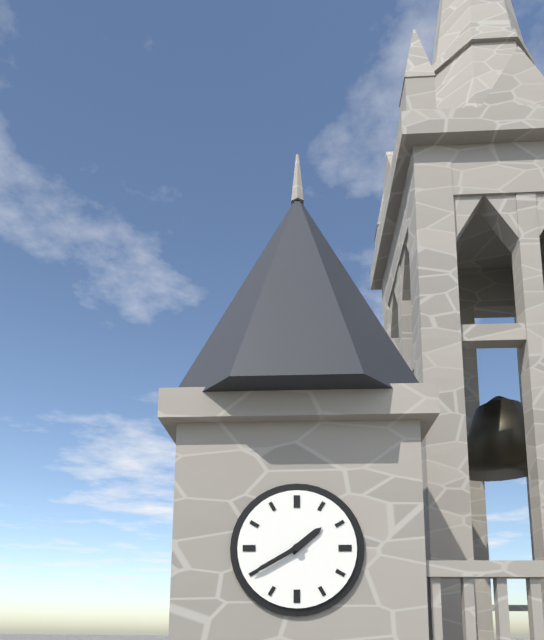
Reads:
1,40
